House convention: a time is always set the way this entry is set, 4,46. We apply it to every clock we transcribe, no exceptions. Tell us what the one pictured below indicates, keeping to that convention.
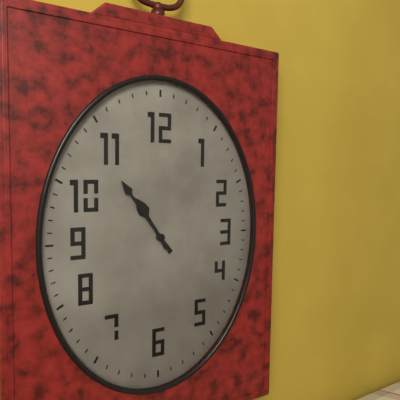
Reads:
10,54
